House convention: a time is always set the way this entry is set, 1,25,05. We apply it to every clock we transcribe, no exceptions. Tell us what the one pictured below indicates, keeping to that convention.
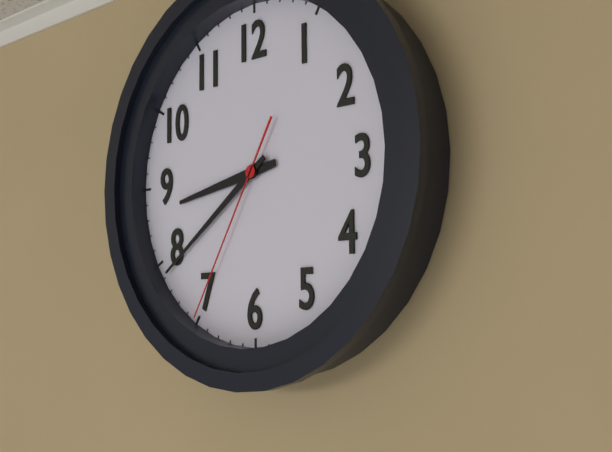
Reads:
8,39,35
